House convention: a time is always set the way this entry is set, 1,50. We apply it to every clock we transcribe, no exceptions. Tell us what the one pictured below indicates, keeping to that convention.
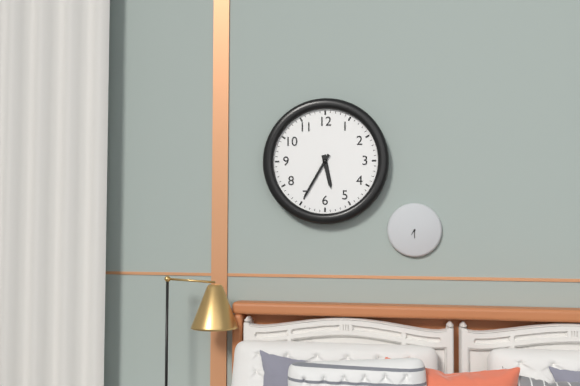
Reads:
5,35
